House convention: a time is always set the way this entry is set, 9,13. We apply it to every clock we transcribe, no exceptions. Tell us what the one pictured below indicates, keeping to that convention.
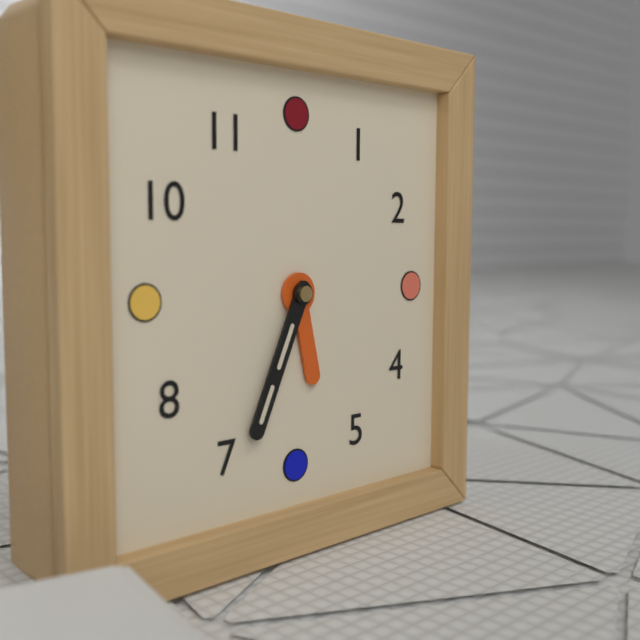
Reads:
5,34
